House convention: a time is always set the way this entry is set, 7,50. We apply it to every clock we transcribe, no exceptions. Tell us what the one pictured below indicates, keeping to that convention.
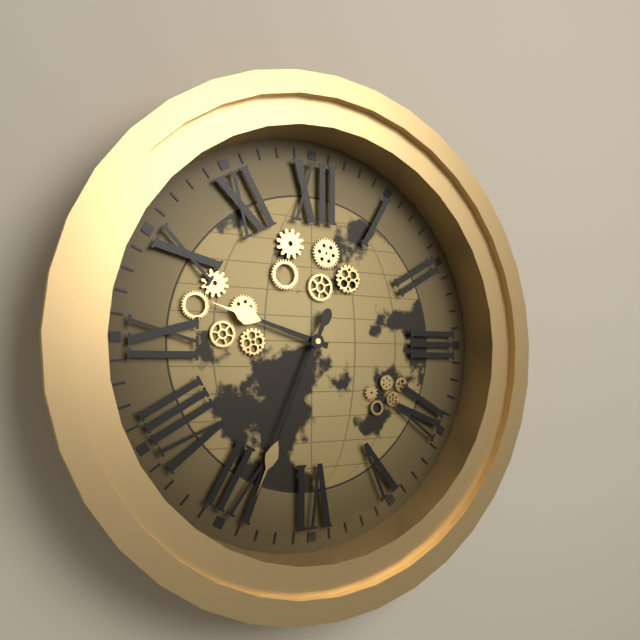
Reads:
9,34
